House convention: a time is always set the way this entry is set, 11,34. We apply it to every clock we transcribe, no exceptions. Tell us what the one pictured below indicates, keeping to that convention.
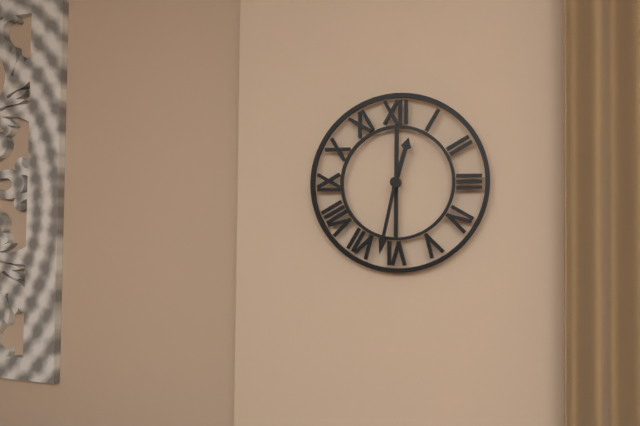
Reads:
12,32
